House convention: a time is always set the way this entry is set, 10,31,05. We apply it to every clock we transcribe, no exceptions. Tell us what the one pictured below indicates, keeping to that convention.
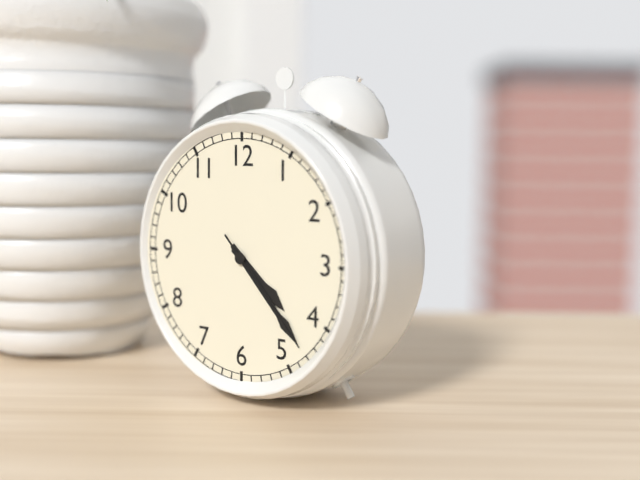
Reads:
4,23,23
